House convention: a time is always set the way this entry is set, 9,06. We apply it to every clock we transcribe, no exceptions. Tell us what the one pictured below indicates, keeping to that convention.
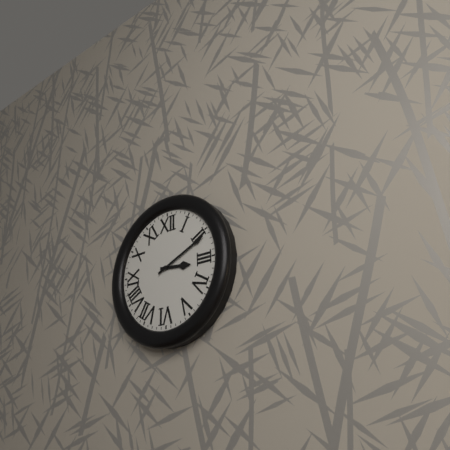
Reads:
3,11
